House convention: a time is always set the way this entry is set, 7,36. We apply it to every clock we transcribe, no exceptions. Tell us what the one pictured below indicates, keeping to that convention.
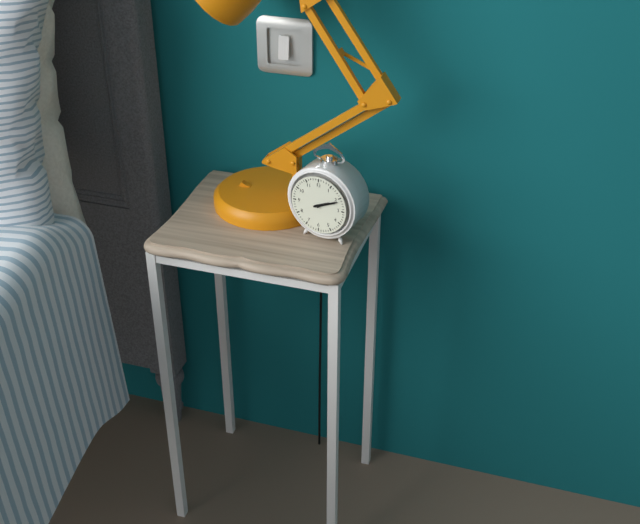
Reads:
2,11
